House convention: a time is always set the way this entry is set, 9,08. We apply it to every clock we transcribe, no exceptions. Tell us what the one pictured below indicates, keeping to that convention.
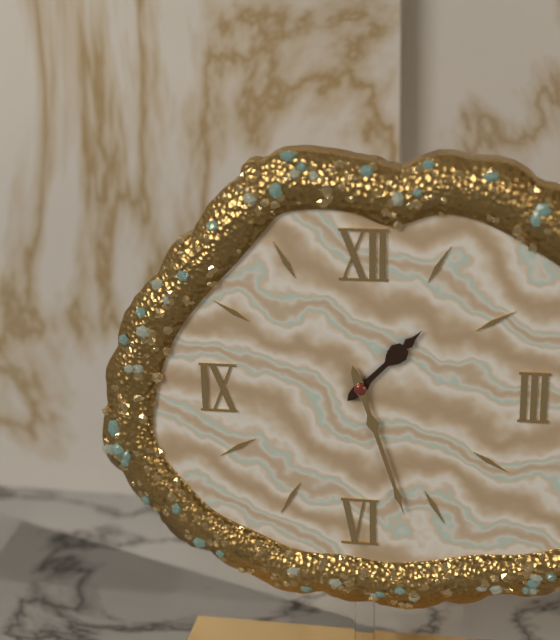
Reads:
1,27
